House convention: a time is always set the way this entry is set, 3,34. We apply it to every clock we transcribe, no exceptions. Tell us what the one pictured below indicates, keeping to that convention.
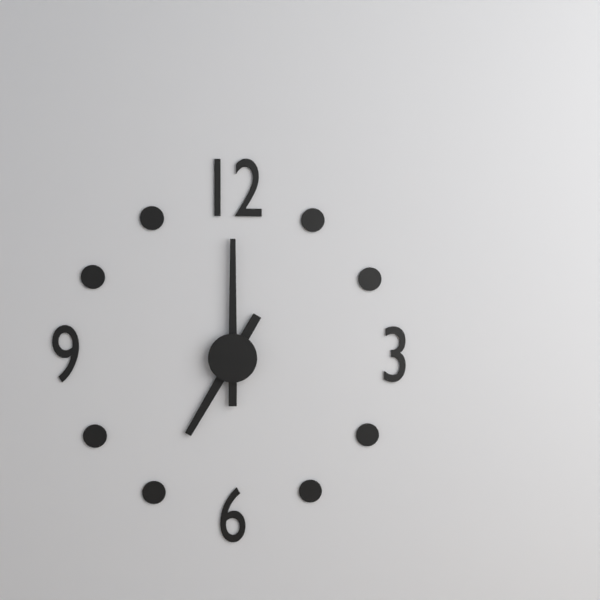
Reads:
7,00
